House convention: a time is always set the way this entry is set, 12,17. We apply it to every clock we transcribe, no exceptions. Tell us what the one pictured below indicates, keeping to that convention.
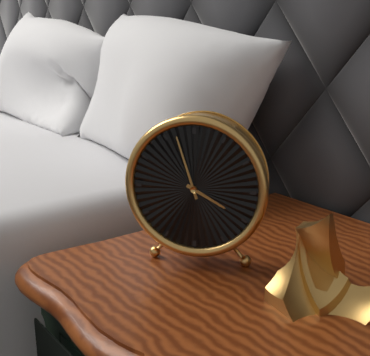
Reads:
3,57
